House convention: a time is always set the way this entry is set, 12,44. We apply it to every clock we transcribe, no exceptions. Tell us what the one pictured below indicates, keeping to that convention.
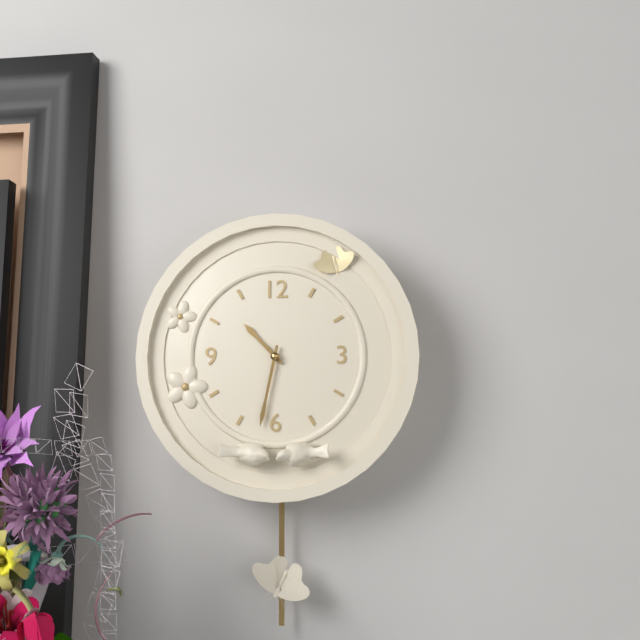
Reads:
10,32
